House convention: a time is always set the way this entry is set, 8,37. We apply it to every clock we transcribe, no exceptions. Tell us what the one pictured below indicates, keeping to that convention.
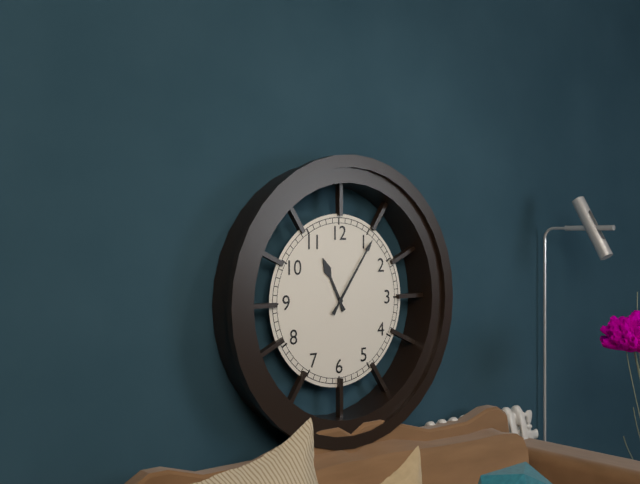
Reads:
11,06
